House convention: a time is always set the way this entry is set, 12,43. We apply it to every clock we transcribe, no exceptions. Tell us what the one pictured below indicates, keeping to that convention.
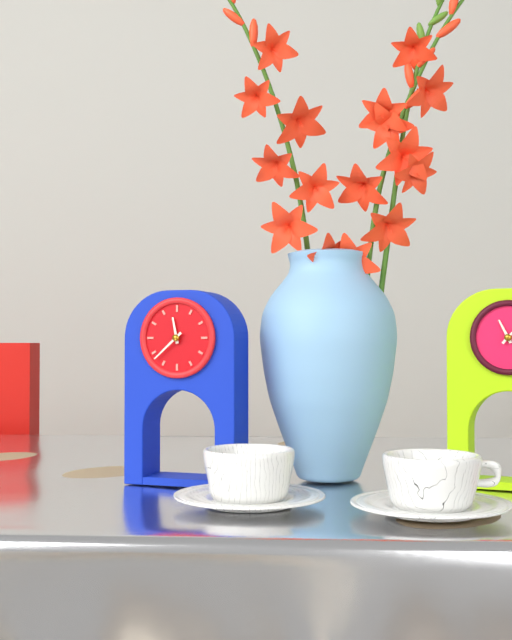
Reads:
11,38
